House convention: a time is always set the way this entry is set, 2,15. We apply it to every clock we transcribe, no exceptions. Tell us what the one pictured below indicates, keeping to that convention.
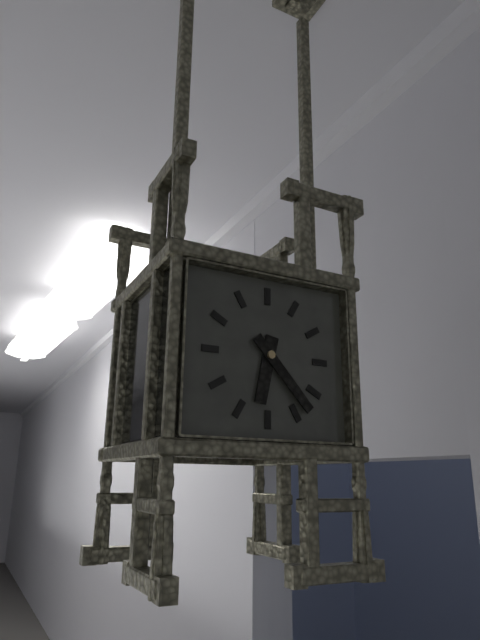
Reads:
6,23
